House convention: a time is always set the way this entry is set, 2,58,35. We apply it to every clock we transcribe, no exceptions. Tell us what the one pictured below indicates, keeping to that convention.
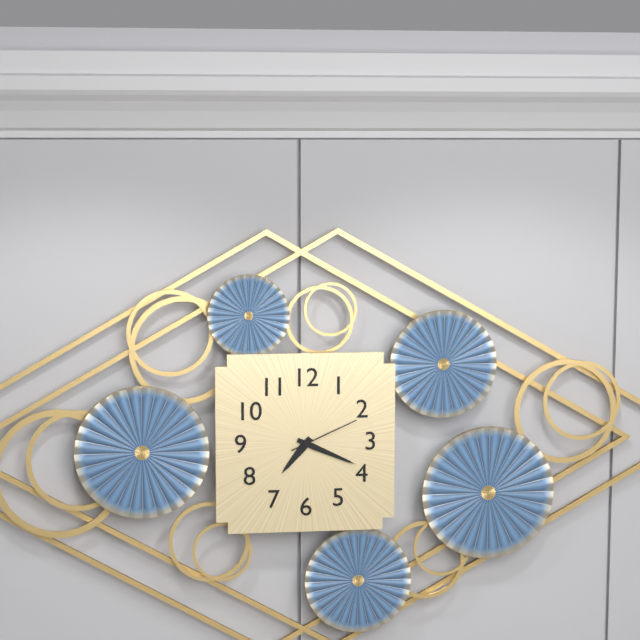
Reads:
7,19,11
